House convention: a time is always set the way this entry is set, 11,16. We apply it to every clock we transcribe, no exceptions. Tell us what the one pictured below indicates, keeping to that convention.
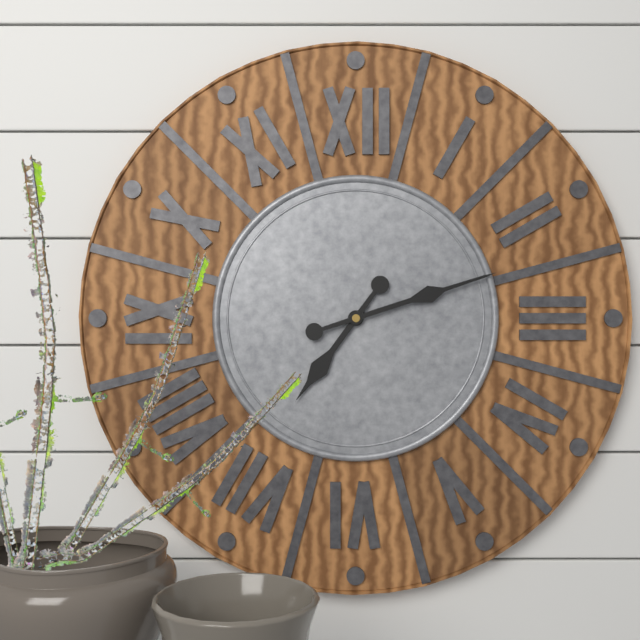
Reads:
7,12
